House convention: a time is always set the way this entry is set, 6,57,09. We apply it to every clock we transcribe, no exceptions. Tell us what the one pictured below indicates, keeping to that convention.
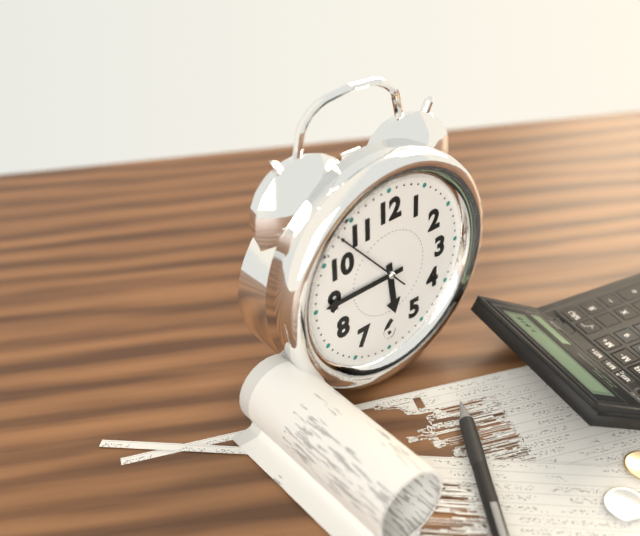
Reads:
5,45,53
